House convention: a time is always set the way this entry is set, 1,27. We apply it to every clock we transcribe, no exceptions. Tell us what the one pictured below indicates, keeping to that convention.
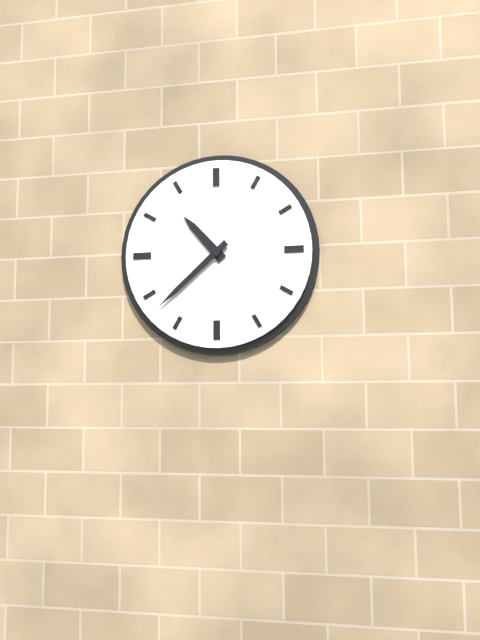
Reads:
10,38
